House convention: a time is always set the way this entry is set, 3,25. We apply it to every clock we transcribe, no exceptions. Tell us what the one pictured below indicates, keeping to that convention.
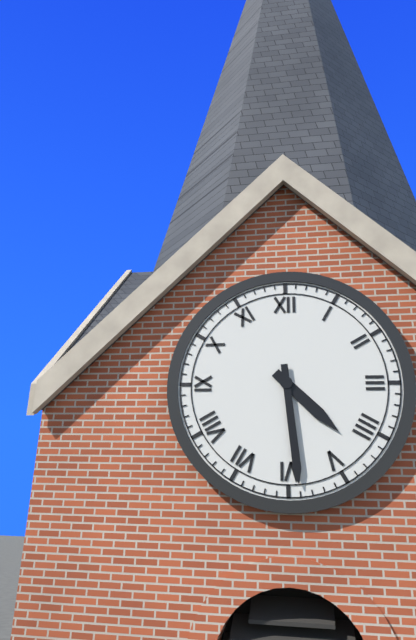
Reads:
4,29
